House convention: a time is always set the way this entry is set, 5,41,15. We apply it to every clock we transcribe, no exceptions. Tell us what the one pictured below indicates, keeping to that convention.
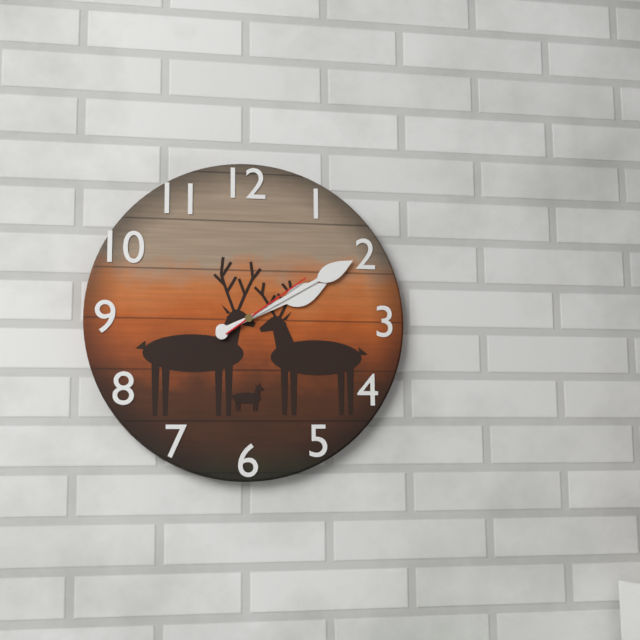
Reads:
2,10,09
